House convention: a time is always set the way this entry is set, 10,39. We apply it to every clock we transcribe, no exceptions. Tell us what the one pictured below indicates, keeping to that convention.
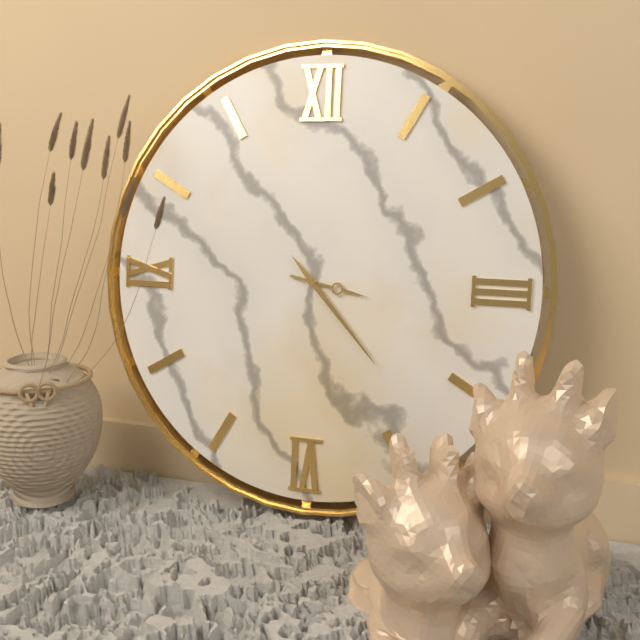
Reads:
3,23
